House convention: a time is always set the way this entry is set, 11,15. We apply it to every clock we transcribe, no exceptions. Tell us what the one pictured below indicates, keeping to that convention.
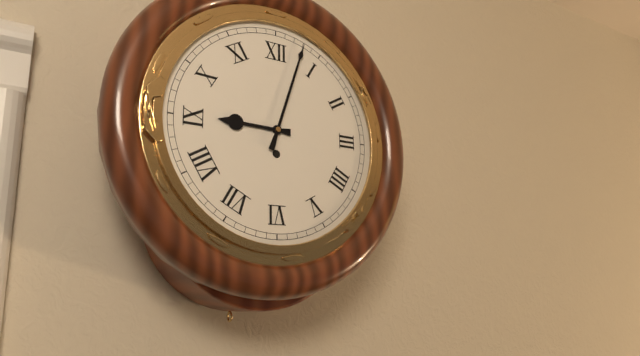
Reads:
9,03
